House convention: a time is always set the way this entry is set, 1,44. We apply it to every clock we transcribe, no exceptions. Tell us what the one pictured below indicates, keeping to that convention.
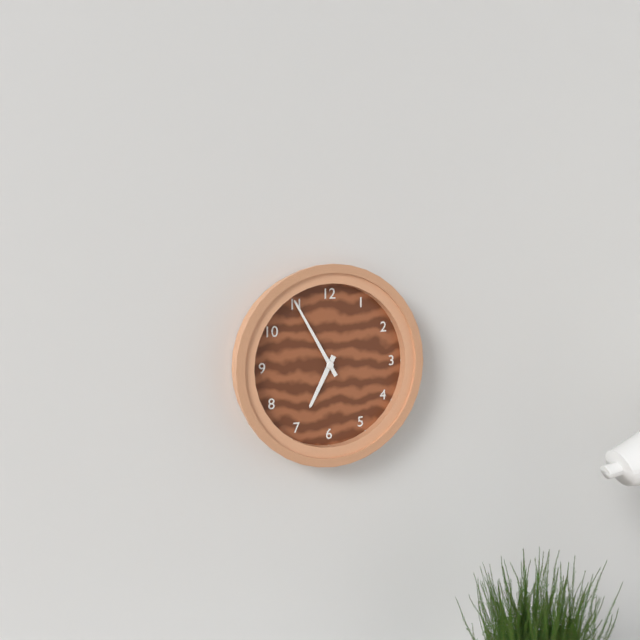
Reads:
6,55
